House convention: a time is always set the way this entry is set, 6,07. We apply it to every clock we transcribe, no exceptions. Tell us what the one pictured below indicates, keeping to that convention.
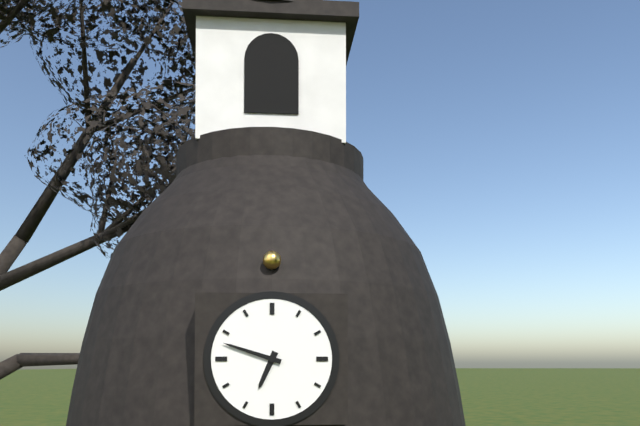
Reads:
6,48
